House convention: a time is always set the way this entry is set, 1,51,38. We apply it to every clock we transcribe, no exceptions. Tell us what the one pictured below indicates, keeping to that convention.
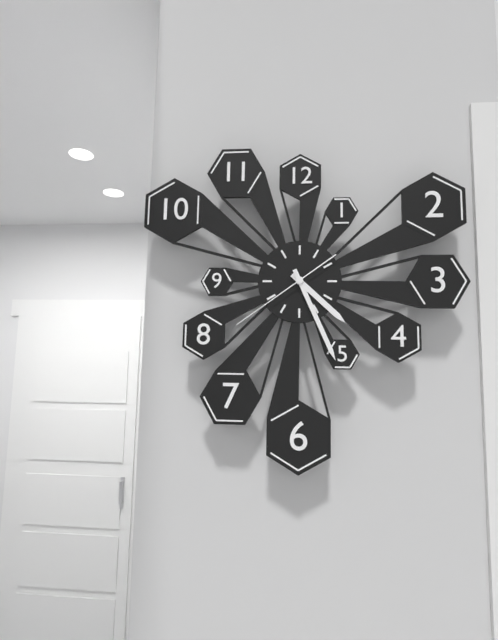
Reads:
4,26,39
